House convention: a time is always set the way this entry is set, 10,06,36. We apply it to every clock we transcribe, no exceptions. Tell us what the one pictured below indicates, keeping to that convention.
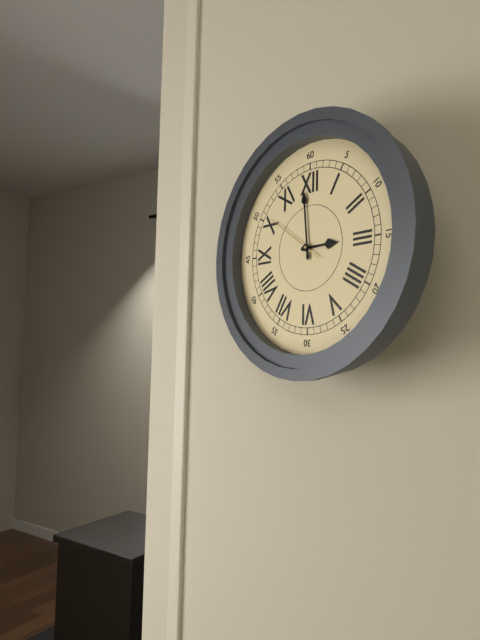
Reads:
2,59,51
